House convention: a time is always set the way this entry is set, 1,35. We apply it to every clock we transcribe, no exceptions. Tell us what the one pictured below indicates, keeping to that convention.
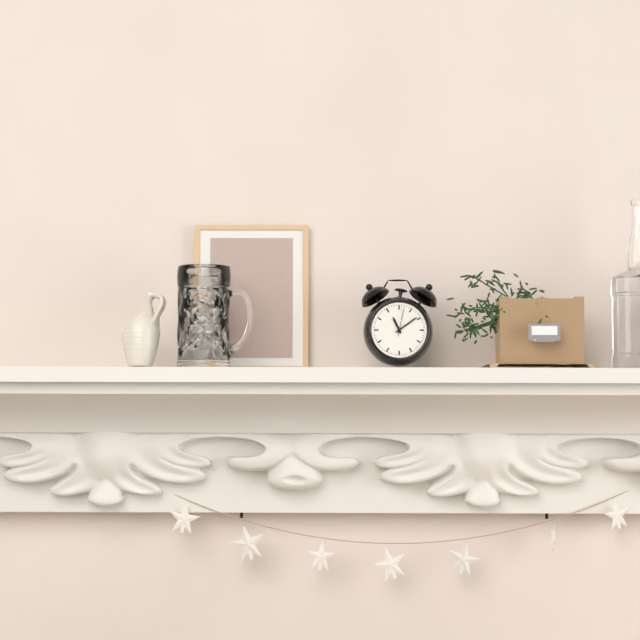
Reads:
11,09
